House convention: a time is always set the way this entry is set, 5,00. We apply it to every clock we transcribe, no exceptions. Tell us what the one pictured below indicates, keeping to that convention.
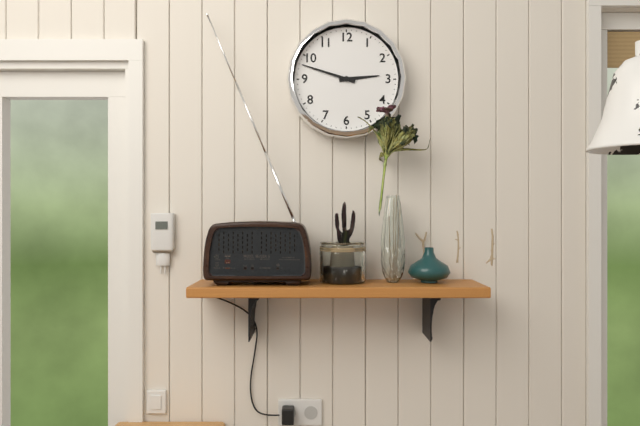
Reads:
2,48
